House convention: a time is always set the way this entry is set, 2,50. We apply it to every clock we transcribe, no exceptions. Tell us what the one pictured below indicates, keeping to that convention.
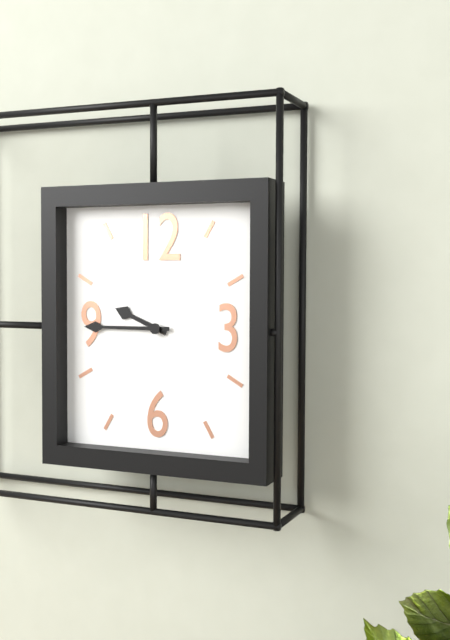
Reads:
9,45
